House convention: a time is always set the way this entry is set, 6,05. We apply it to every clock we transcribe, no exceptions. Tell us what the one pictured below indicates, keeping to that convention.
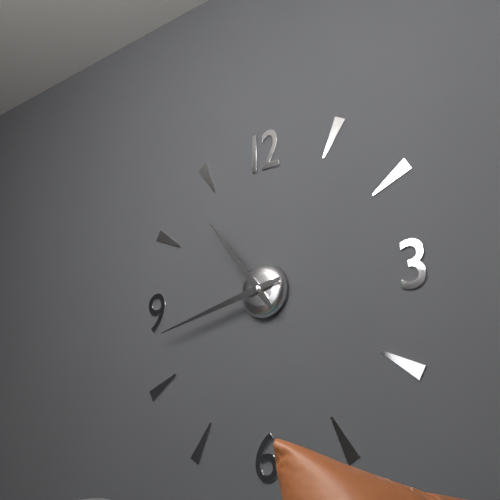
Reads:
10,43
